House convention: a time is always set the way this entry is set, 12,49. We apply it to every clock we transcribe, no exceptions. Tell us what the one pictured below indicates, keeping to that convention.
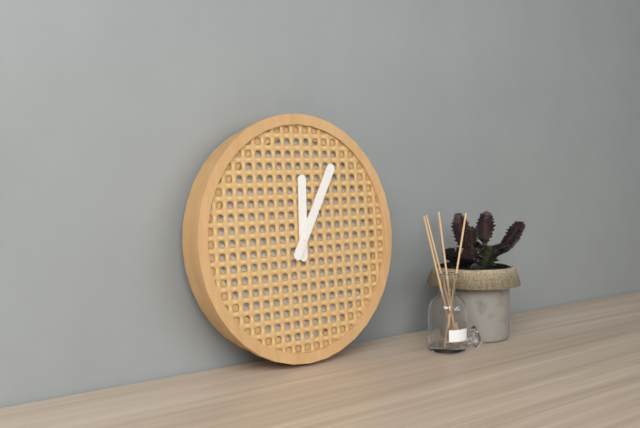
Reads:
12,05
